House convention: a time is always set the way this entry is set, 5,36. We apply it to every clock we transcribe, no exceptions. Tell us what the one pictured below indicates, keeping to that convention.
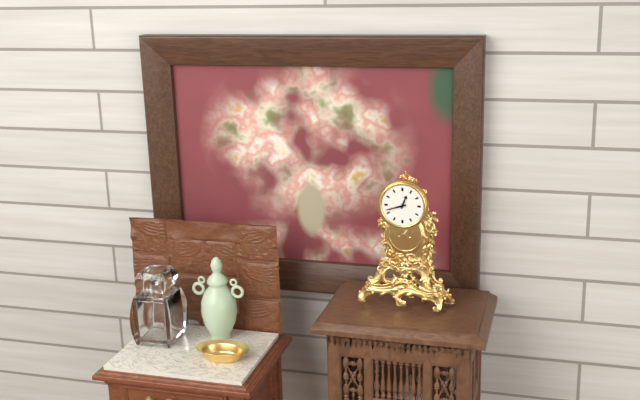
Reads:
12,42
